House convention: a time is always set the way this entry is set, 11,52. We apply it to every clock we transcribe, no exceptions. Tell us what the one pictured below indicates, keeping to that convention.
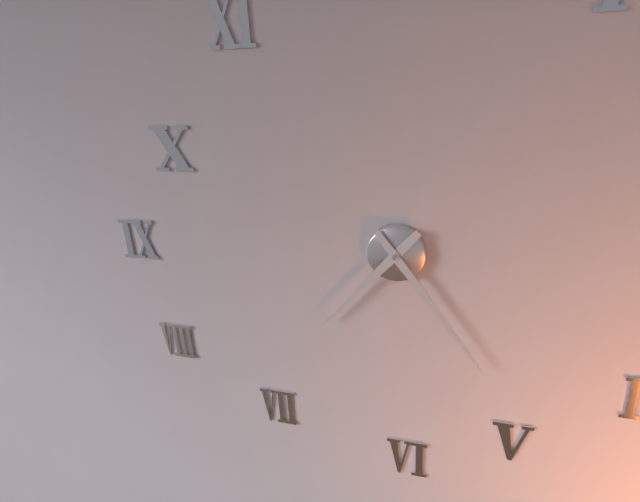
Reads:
7,24
